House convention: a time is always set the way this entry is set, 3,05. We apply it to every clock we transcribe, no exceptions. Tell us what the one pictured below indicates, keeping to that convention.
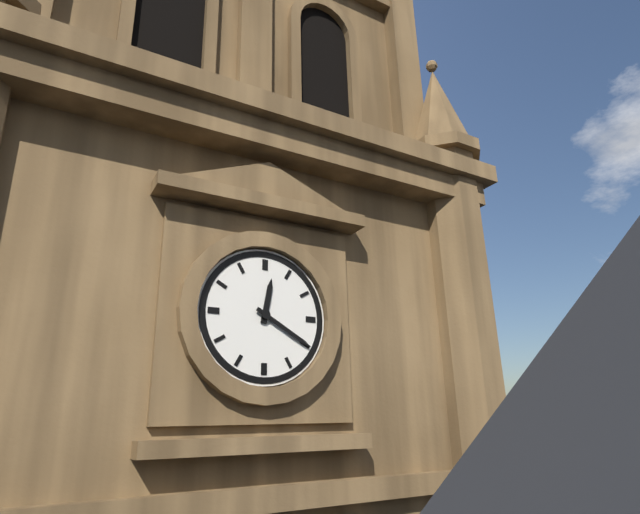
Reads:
12,20
